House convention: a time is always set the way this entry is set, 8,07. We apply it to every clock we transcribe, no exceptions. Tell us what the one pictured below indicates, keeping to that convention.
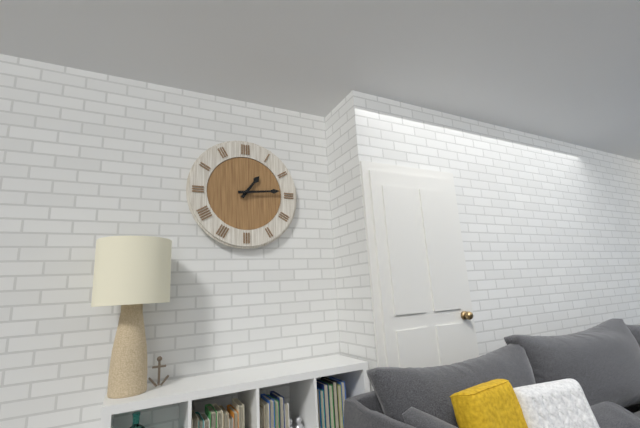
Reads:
1,14
